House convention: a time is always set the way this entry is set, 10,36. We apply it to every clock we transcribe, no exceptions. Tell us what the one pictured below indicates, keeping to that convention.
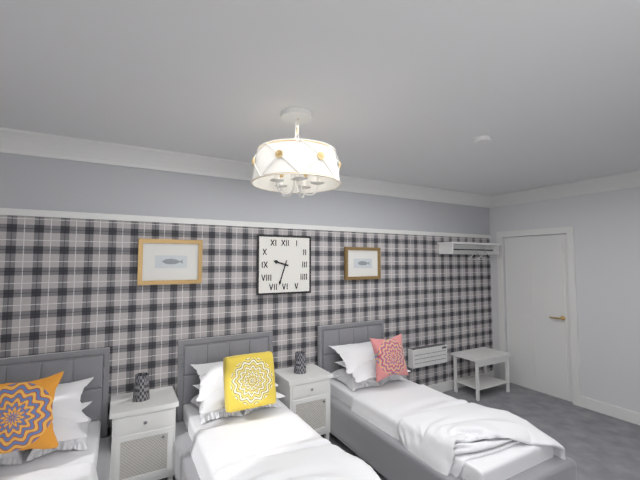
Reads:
9,33
